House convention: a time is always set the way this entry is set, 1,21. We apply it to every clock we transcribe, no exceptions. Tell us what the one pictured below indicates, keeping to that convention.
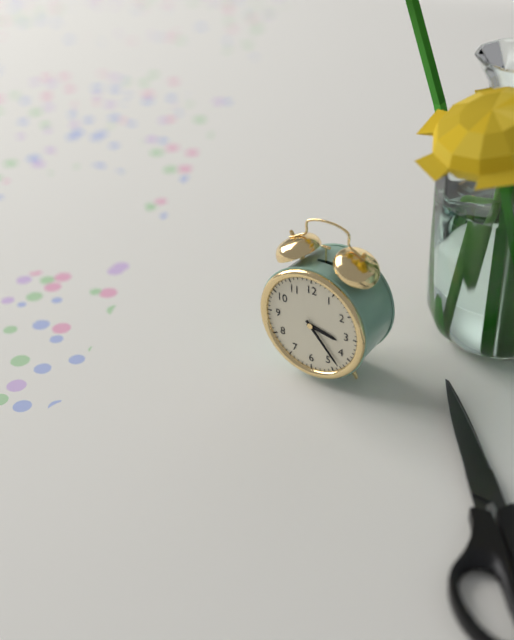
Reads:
3,23
